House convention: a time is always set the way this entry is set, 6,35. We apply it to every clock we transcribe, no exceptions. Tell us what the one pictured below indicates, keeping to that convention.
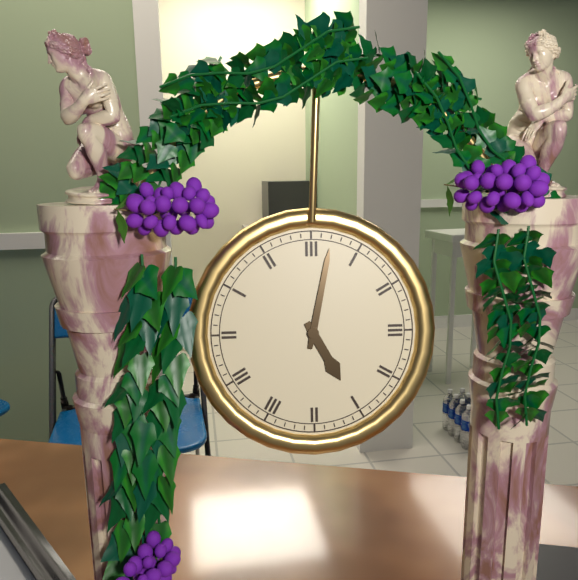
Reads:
5,02
